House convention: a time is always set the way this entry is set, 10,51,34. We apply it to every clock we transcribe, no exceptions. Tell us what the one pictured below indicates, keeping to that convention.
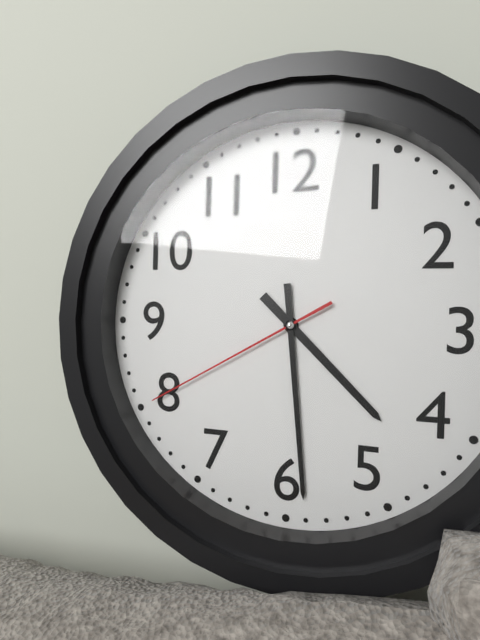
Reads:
4,29,40
